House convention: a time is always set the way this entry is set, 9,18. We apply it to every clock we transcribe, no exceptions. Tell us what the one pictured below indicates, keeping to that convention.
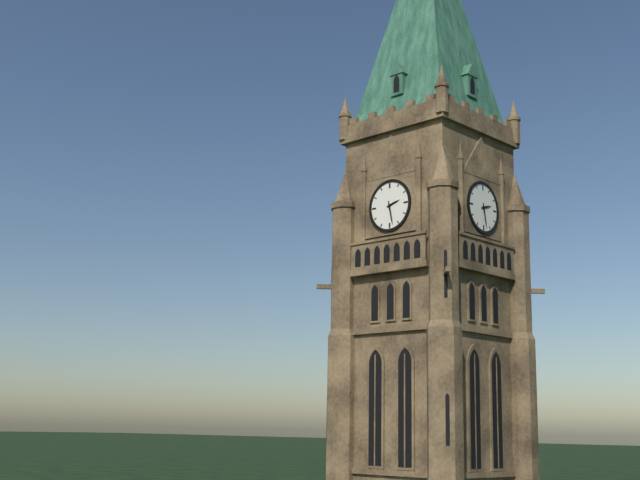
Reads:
2,28
